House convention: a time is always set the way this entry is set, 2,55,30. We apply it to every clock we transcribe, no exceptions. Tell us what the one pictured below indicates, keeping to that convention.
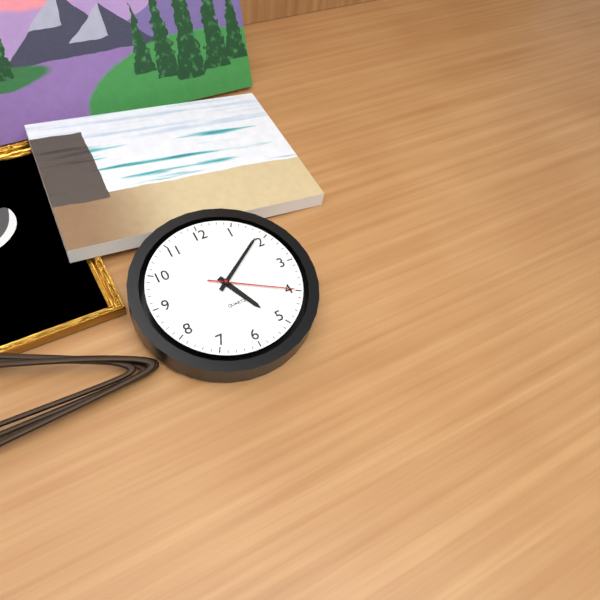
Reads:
5,09,20
